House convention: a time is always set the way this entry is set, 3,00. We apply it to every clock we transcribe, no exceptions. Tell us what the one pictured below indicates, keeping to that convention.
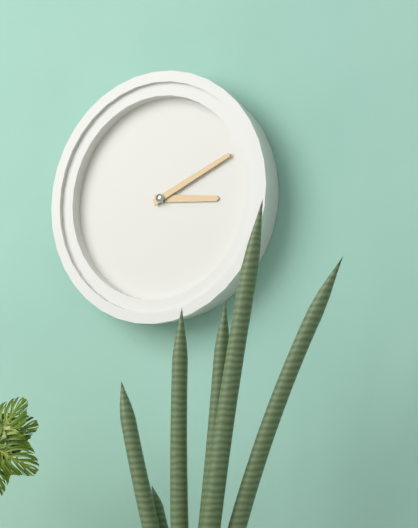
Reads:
3,11
